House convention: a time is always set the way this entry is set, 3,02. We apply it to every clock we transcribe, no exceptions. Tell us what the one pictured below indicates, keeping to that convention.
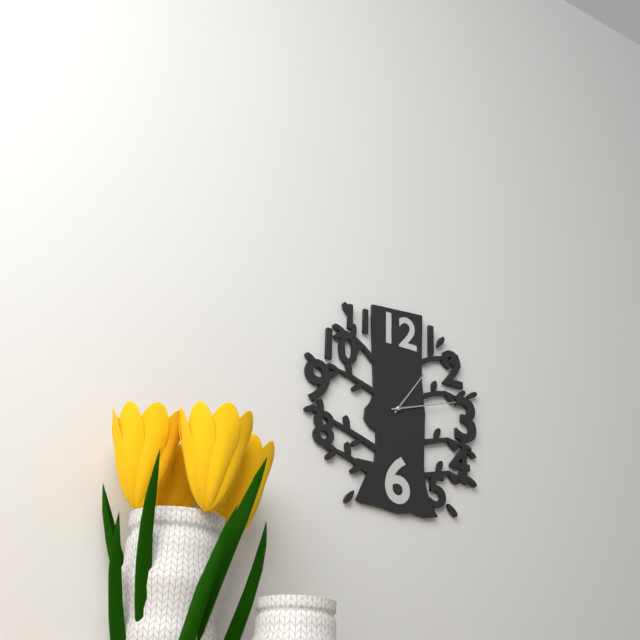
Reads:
1,12
